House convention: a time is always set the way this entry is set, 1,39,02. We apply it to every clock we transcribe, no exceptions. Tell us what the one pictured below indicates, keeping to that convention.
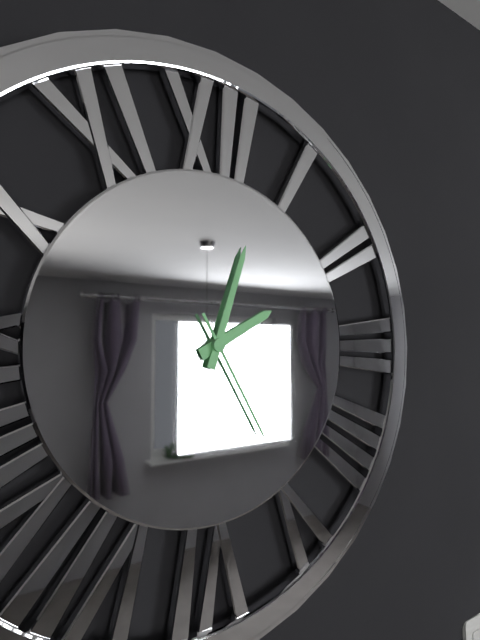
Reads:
2,03,25
